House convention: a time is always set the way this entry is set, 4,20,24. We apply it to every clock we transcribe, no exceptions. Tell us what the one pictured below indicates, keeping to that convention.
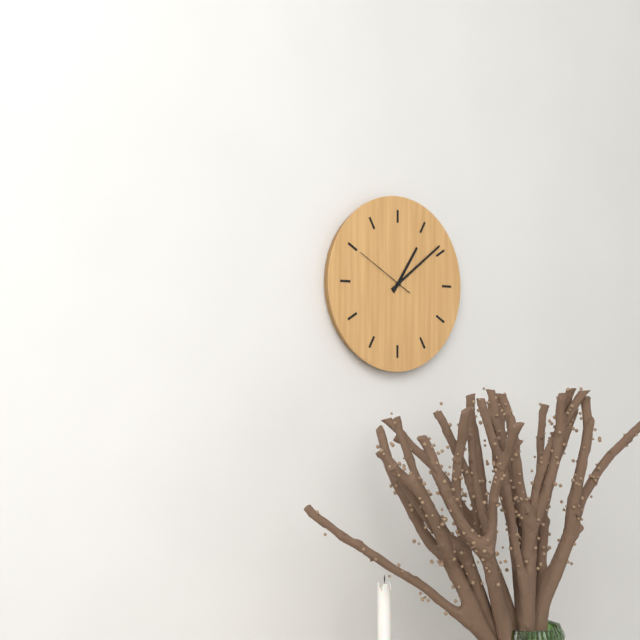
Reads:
1,09,50
